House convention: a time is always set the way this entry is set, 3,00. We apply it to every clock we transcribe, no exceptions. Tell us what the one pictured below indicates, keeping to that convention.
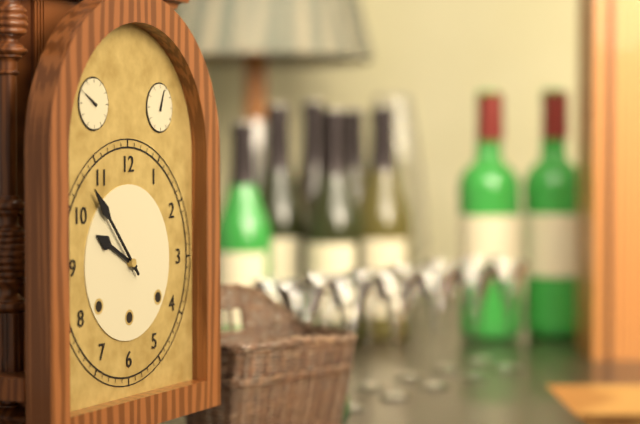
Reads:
9,53
